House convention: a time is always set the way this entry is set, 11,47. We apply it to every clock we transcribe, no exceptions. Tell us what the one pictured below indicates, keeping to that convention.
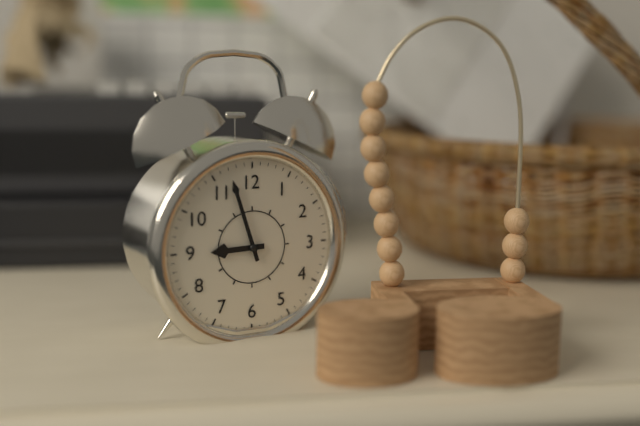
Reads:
8,57
